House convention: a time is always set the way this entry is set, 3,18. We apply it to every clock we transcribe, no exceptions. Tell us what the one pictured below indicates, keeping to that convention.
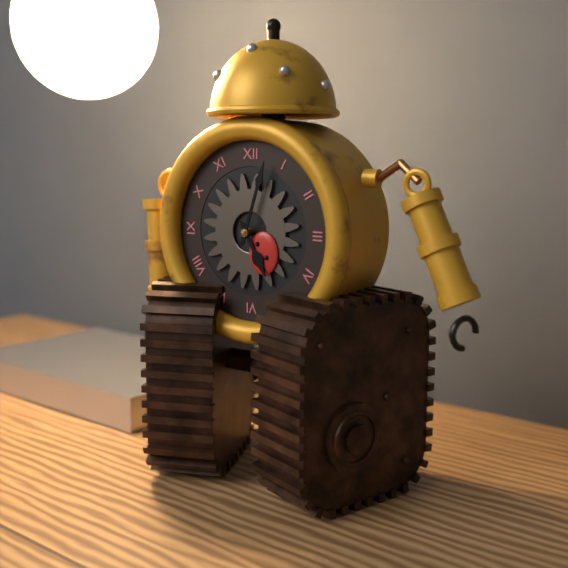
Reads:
5,03
